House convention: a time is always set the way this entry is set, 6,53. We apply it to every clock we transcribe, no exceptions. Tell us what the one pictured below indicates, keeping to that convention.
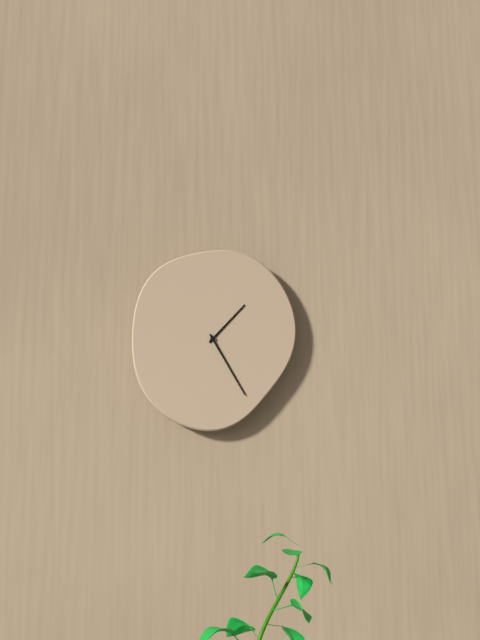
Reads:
1,25
